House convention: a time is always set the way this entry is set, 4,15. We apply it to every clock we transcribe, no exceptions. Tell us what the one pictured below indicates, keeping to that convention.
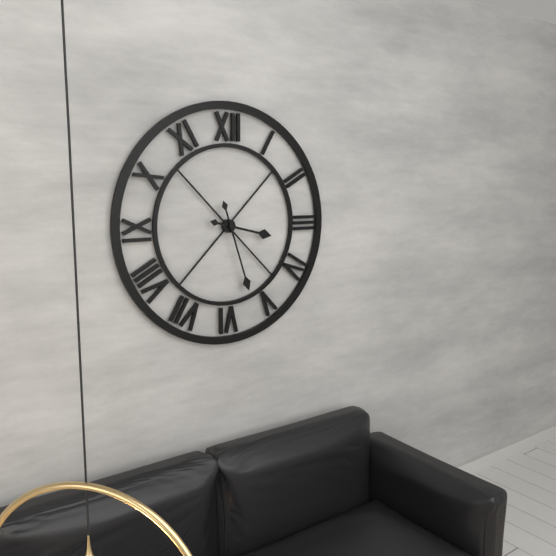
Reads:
3,27
